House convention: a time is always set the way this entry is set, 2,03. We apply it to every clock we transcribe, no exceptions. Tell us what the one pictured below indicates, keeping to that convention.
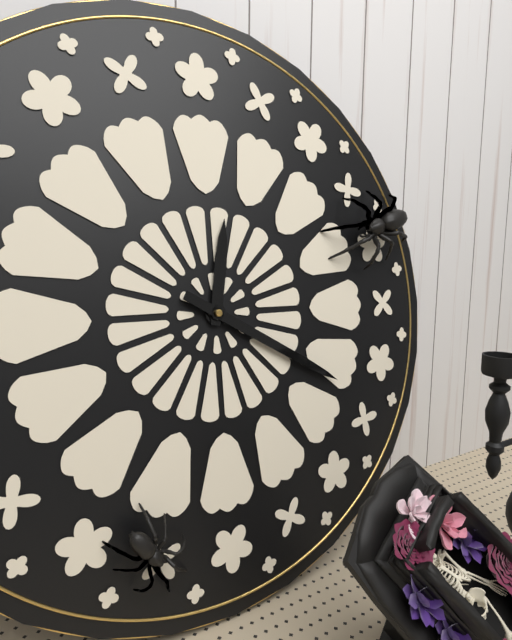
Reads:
12,20
